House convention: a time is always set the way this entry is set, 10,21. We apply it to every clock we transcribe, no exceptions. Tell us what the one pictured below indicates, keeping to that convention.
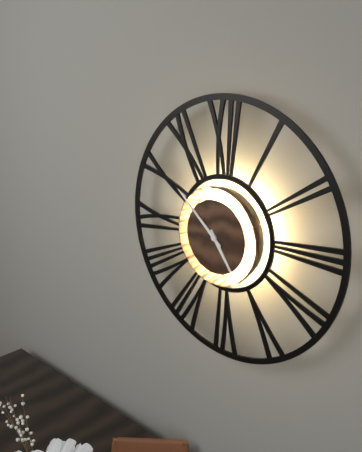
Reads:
4,52
